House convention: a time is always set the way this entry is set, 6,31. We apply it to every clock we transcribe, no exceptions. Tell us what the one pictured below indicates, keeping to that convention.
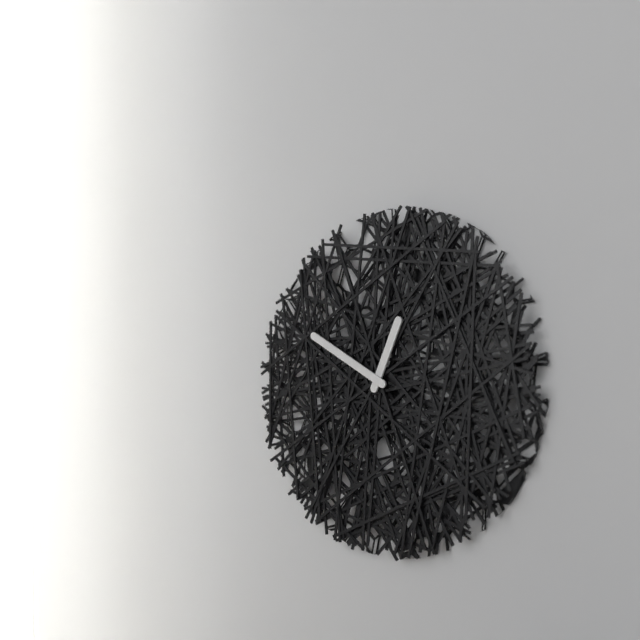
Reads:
12,50
